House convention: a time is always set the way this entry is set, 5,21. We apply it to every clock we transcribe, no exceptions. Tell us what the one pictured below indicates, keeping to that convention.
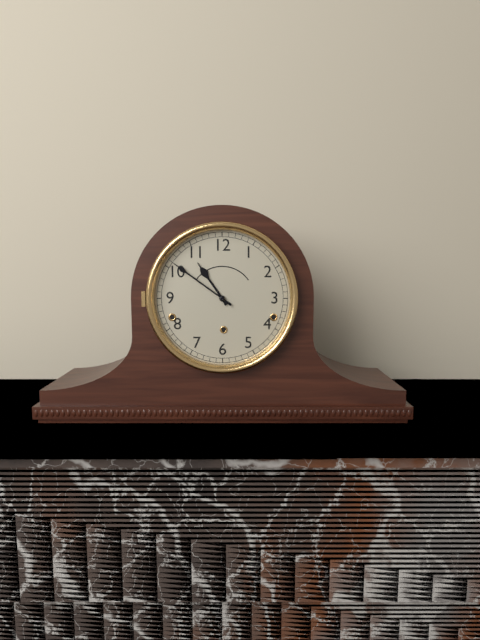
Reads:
10,51
